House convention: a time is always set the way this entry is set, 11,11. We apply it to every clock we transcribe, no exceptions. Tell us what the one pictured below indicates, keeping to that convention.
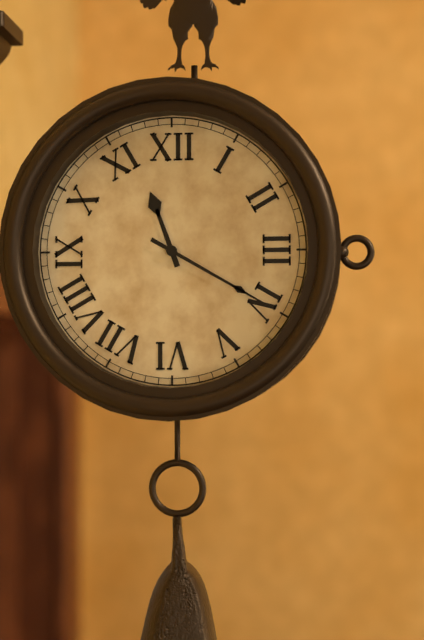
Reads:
11,20
